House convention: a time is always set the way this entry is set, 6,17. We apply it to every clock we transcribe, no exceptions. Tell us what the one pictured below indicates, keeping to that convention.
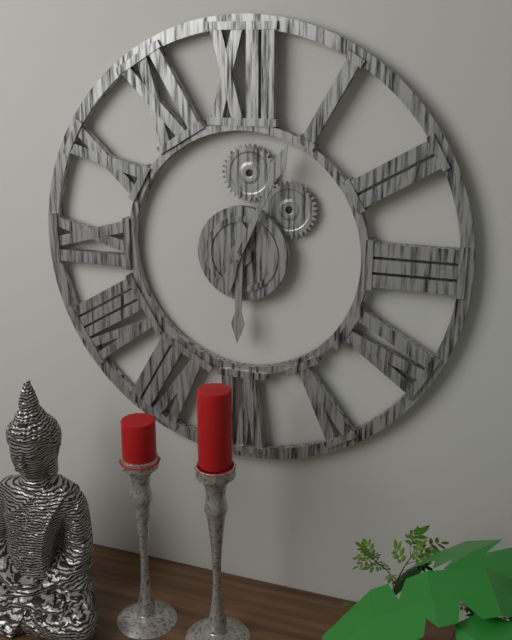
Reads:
6,04
